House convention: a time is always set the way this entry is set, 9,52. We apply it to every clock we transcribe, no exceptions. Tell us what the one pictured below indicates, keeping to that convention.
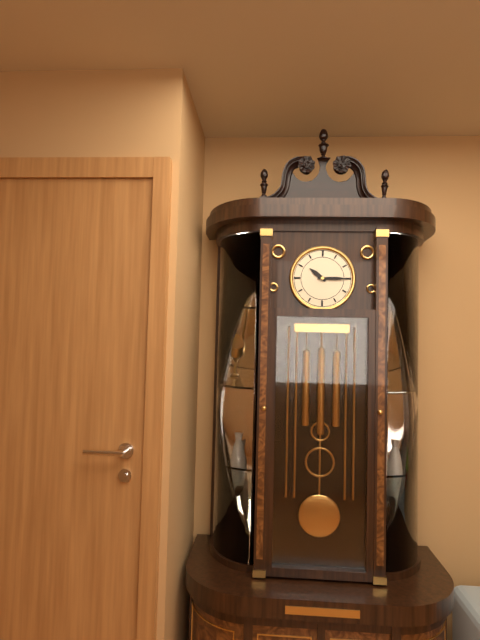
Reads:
10,15
